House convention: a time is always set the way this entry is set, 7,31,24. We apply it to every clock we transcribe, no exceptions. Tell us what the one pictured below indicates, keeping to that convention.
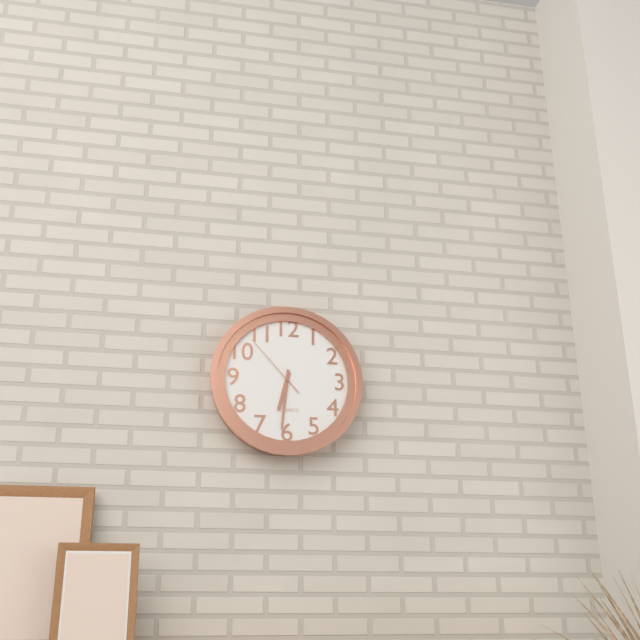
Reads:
6,31,53
